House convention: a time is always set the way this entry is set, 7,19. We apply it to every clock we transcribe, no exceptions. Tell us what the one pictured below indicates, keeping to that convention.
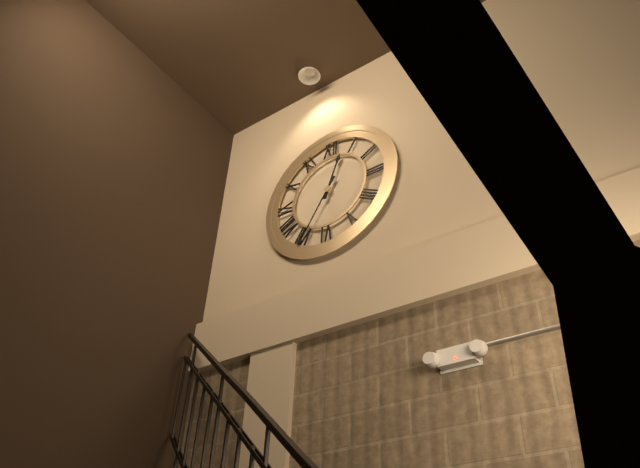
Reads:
12,35
